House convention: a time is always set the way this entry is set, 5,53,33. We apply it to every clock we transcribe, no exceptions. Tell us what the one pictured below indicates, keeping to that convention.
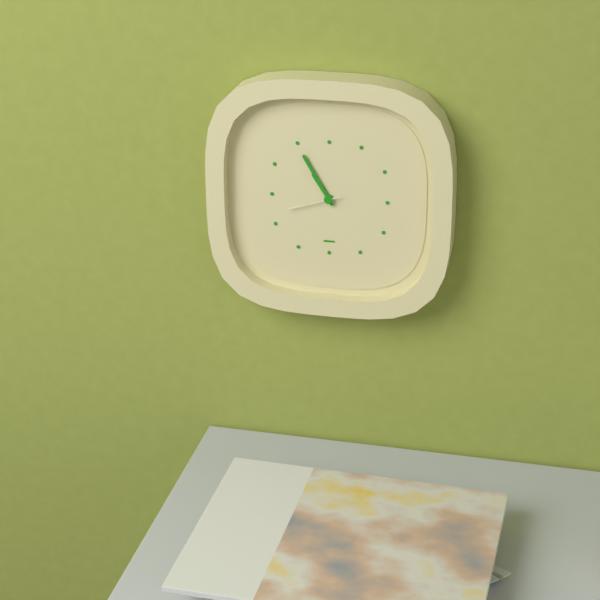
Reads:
10,55,42
